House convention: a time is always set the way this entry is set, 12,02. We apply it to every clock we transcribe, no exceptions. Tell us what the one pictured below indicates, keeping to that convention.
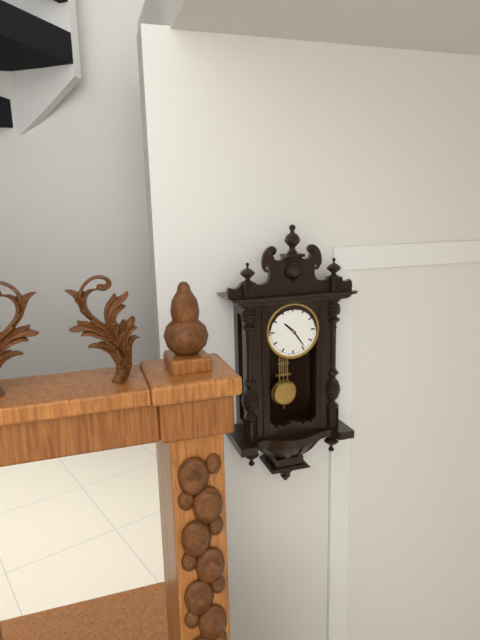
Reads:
10,24
